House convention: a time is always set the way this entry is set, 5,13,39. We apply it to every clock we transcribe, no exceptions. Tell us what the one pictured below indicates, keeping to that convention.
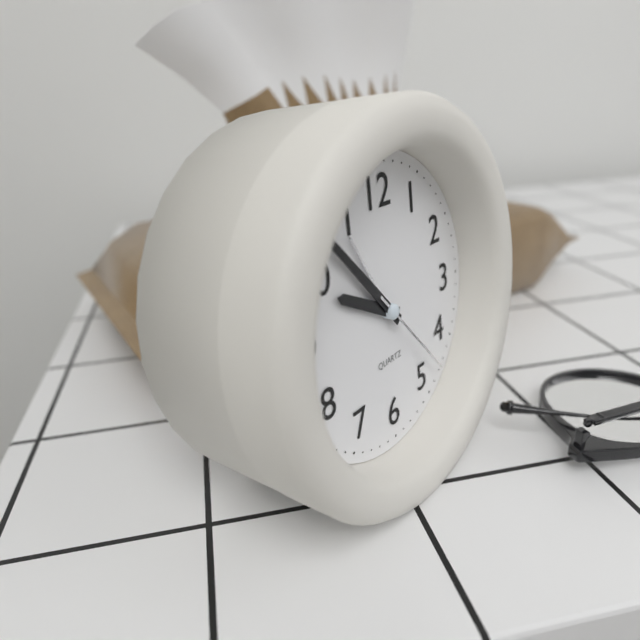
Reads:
9,53,23
